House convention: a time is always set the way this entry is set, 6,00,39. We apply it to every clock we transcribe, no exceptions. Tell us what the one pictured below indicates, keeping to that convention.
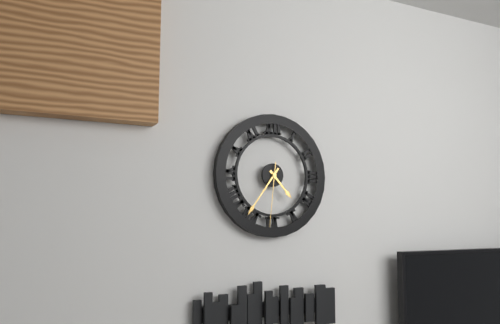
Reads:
4,36,31
